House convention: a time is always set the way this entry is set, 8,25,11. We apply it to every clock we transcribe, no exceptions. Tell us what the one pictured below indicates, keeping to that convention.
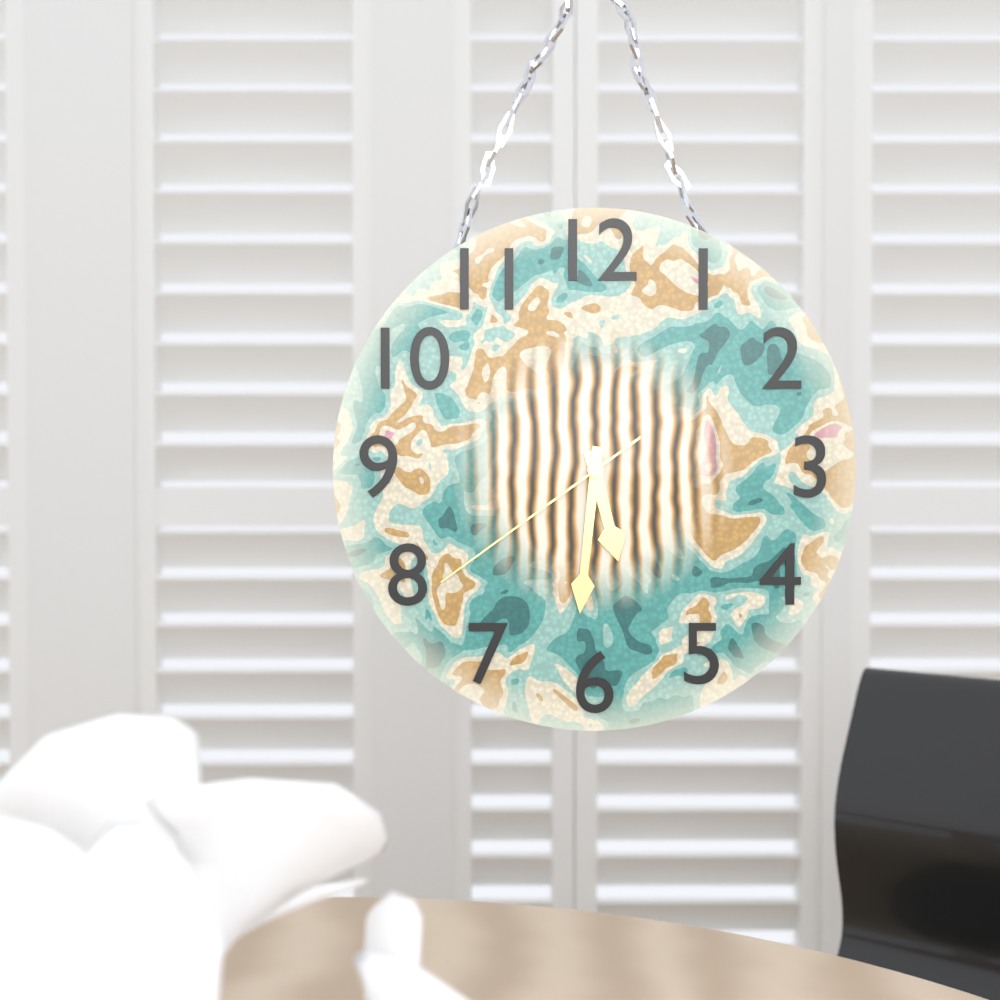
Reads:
5,31,39
